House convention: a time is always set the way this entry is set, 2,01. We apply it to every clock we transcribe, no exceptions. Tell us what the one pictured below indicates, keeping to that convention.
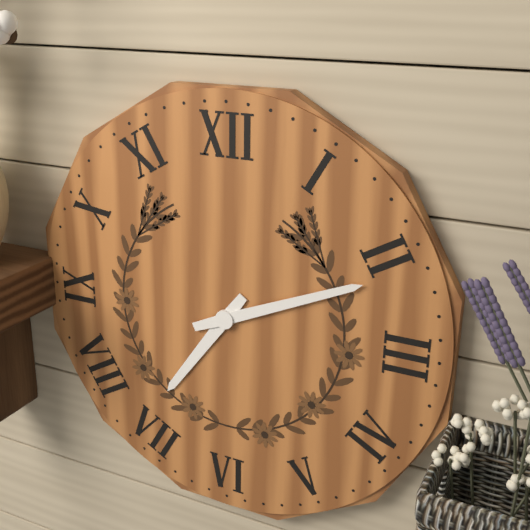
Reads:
7,11
